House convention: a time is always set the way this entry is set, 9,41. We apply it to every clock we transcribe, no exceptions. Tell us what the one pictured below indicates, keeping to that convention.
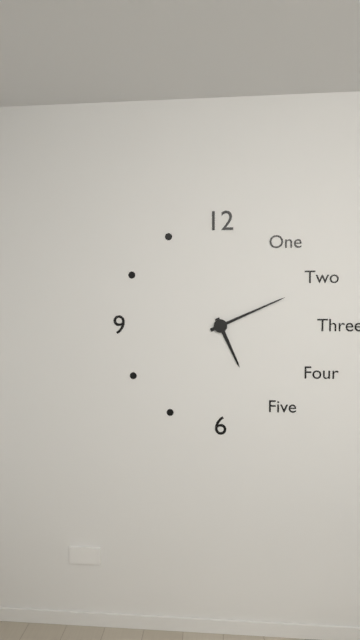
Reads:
5,11
